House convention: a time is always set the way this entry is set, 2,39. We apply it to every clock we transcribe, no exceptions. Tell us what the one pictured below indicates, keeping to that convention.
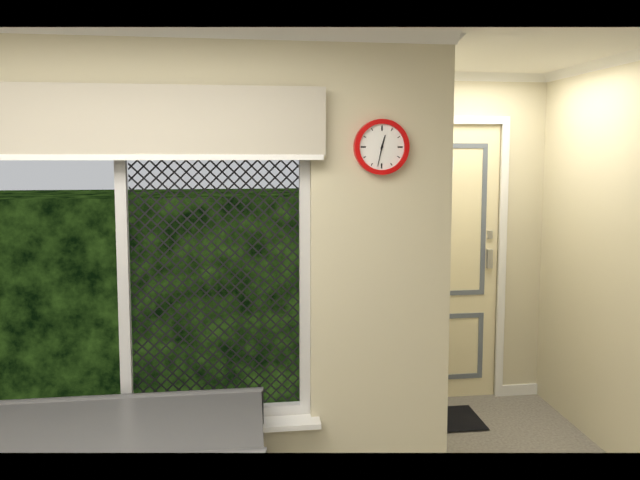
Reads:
12,32
